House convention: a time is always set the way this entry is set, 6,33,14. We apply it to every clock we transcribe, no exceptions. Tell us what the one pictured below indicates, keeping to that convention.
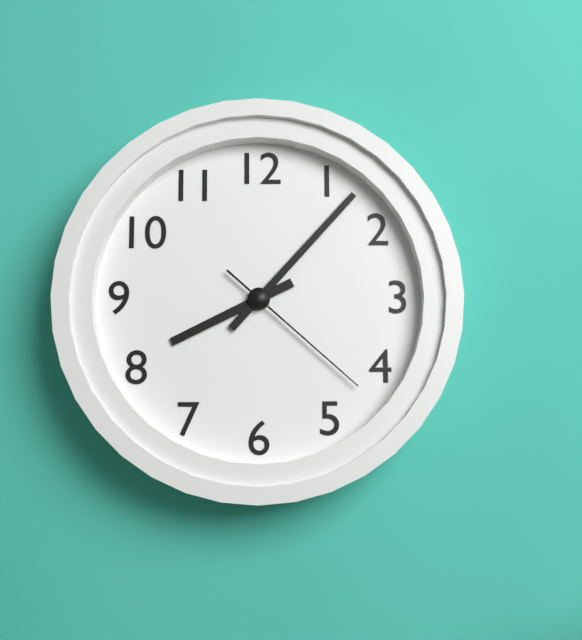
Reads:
8,07,22
